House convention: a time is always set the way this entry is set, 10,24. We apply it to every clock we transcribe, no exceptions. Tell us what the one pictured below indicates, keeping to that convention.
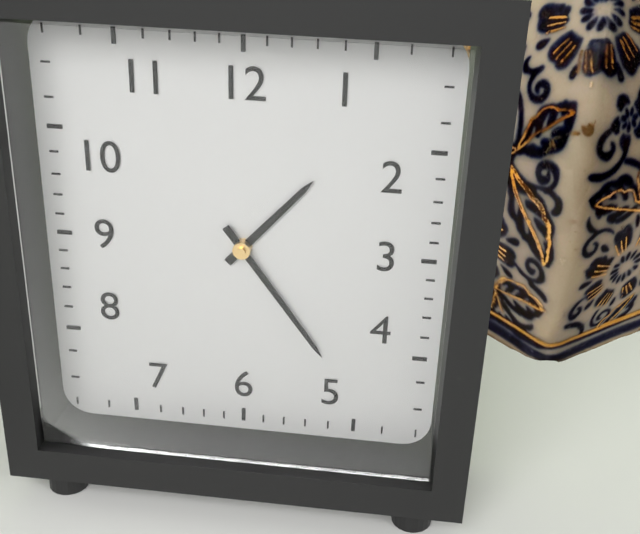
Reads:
1,24
